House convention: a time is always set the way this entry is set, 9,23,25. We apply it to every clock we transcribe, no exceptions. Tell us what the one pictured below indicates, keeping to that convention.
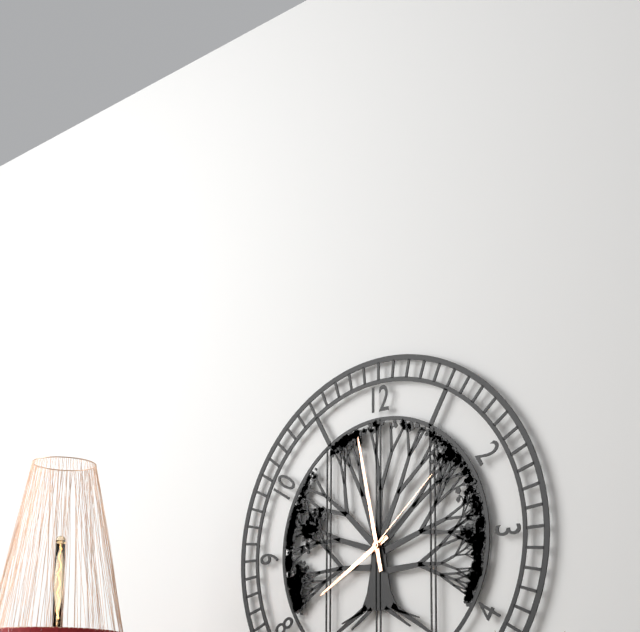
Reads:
7,58,08
